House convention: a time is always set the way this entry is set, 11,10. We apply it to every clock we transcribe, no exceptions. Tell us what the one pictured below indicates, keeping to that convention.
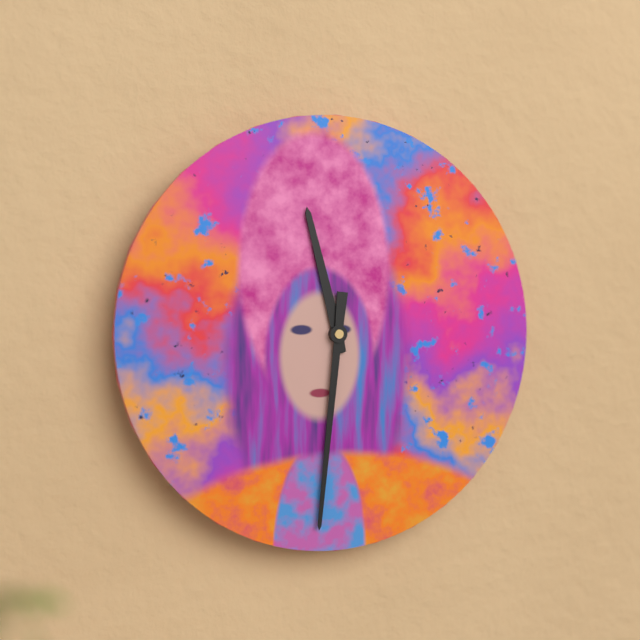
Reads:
11,31
